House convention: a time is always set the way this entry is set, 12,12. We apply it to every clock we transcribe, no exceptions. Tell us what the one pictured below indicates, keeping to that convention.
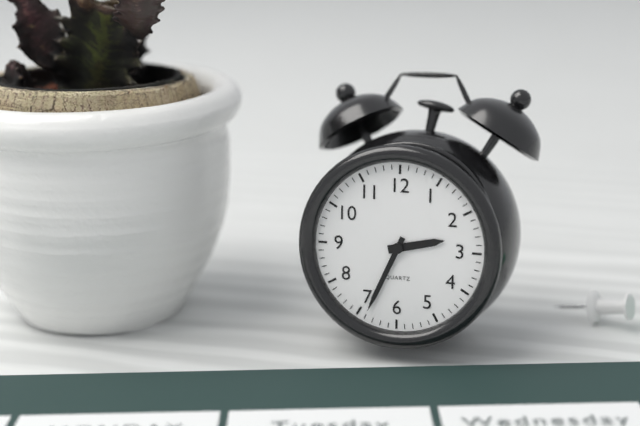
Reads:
2,34
